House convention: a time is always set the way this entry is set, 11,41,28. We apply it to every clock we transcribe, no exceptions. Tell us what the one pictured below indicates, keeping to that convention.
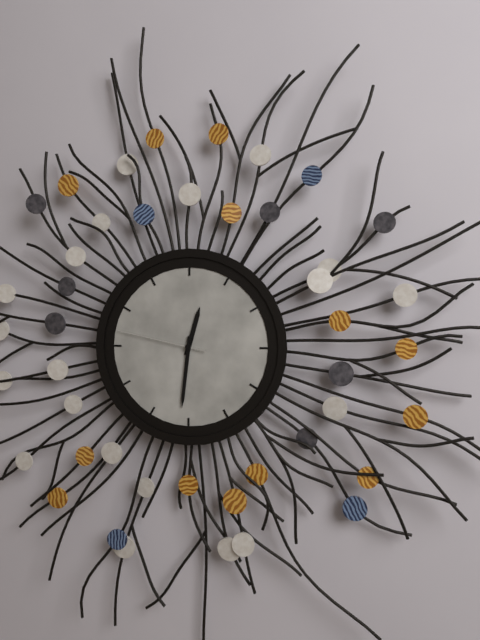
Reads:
12,31,47
